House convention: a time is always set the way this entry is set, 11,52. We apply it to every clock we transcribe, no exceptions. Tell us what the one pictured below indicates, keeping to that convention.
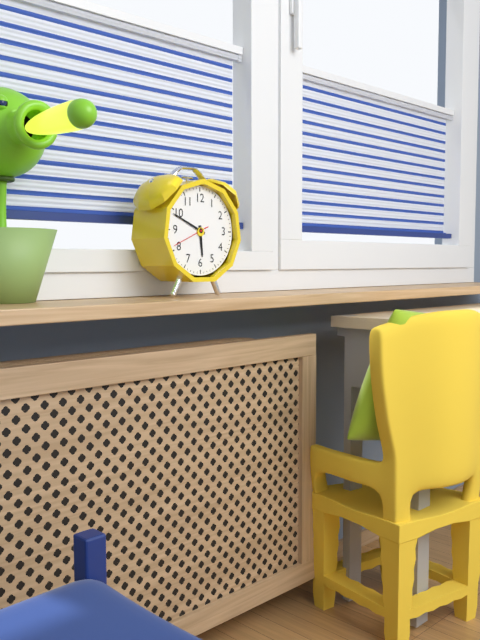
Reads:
5,49
